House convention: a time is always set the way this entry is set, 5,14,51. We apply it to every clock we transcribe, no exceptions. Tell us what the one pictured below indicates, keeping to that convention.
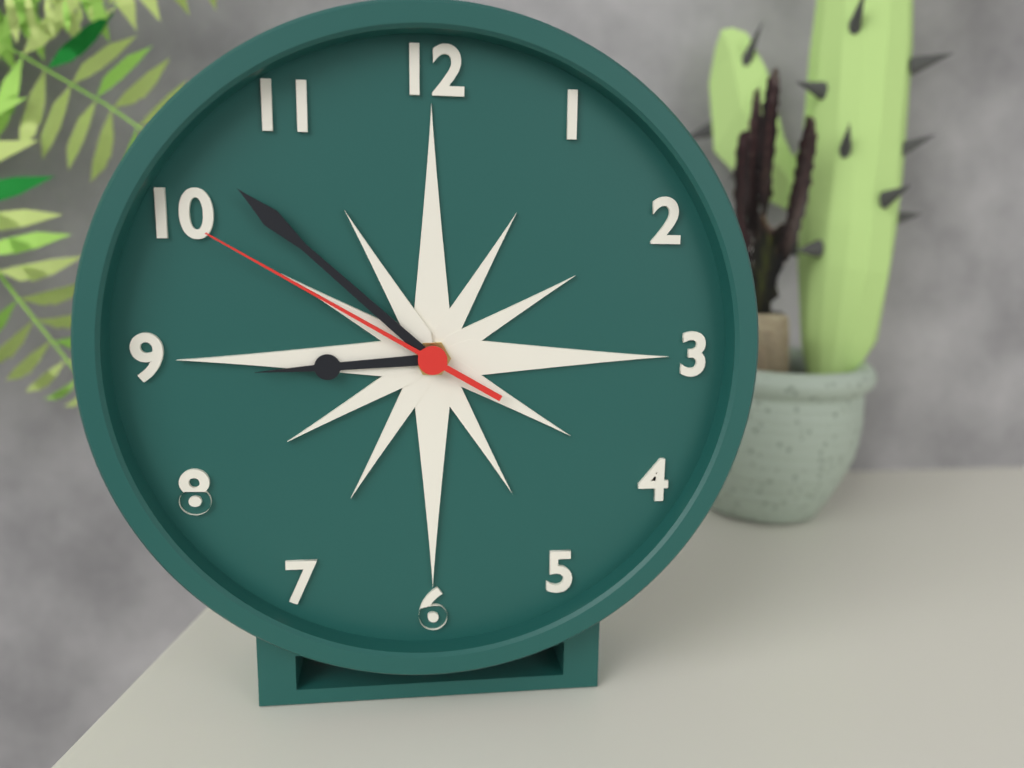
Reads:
8,52,50
